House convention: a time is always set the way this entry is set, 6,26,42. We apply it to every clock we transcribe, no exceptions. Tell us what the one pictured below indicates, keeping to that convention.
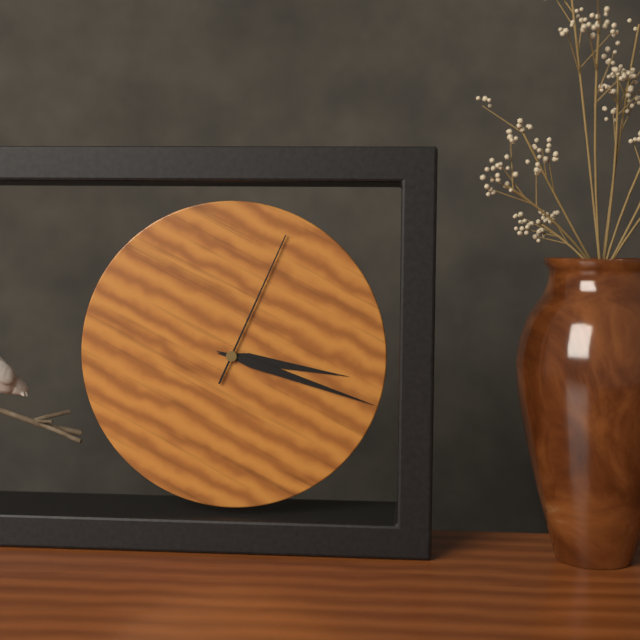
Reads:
3,18,04
